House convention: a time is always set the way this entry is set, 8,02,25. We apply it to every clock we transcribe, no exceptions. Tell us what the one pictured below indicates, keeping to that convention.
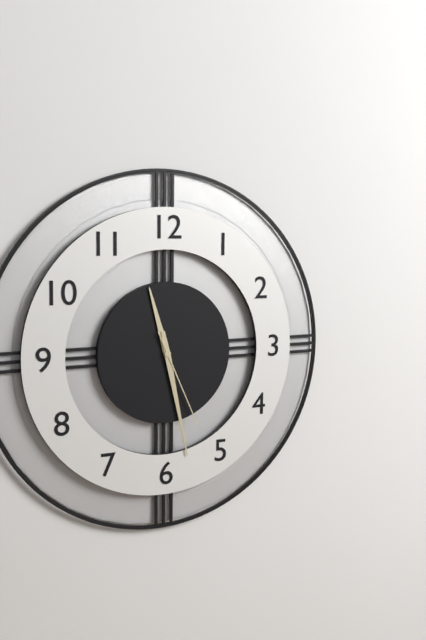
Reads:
11,28,26
